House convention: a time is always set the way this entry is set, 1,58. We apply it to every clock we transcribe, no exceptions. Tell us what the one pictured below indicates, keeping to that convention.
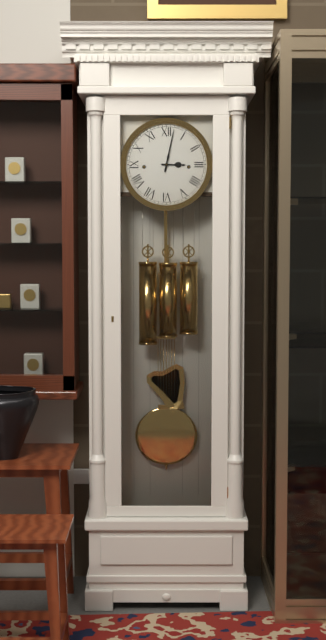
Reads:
3,02
